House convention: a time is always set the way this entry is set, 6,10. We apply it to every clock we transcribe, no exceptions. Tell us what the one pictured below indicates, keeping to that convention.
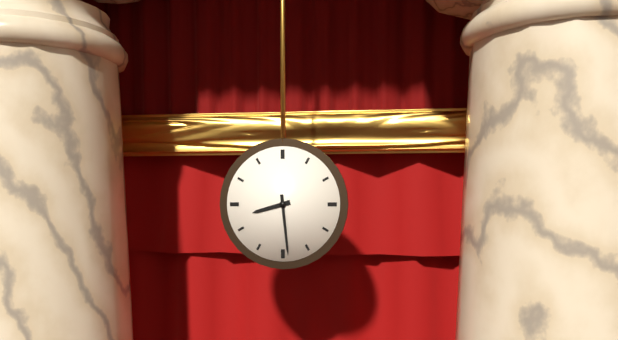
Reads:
8,29
